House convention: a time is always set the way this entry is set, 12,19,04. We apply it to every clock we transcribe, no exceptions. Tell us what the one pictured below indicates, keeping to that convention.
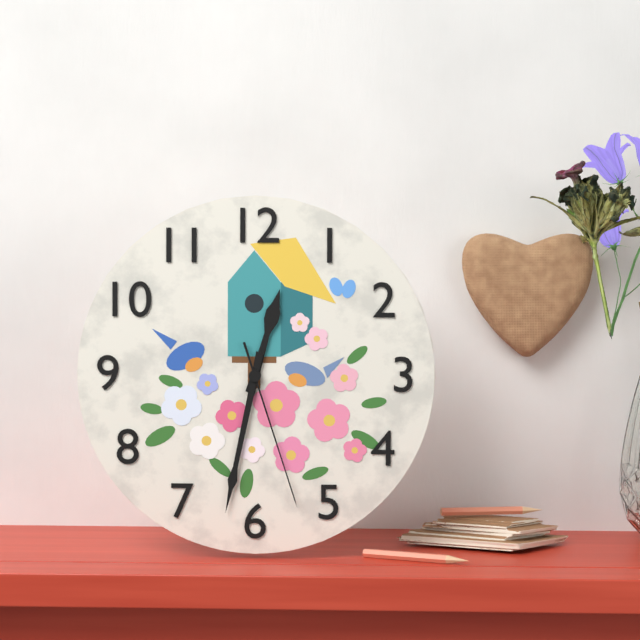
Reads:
12,32,27
